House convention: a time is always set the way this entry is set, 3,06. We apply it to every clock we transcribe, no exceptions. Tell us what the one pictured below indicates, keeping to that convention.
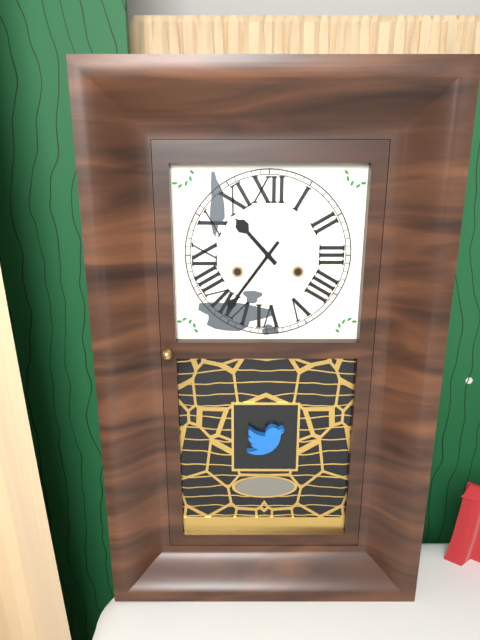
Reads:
10,36
